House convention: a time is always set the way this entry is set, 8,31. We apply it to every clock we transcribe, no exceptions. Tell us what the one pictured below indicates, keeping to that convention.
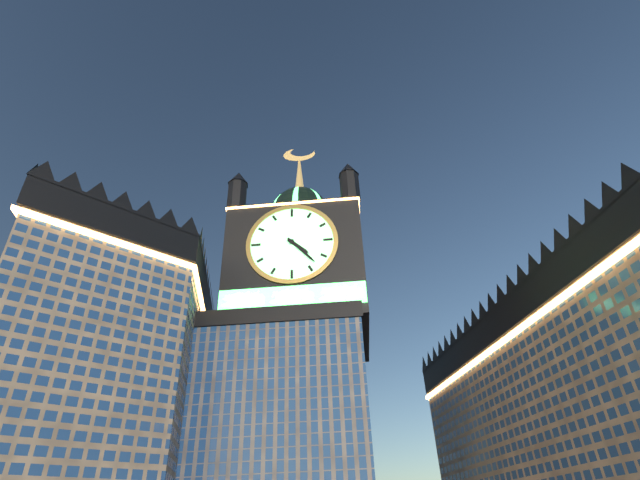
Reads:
4,23
